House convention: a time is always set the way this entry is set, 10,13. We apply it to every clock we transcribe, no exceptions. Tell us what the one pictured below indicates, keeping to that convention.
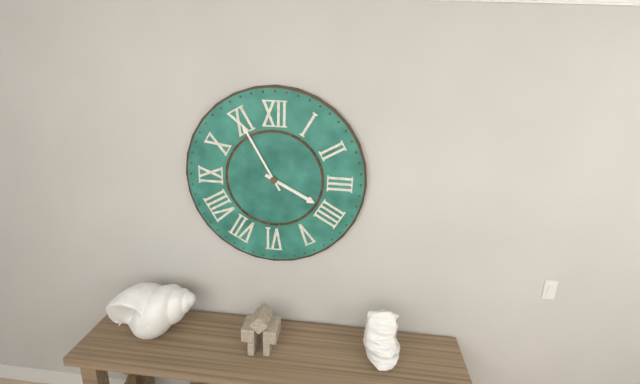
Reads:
3,55
